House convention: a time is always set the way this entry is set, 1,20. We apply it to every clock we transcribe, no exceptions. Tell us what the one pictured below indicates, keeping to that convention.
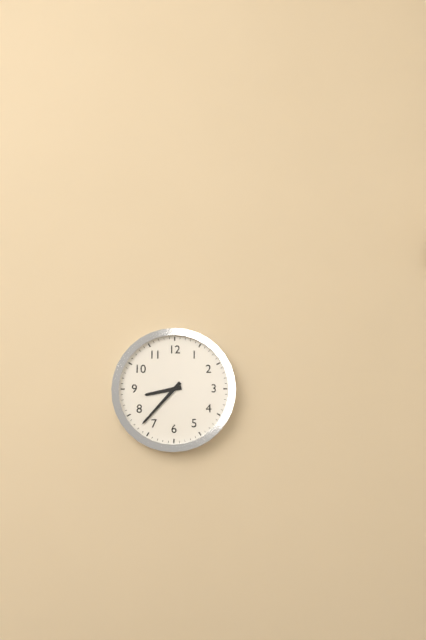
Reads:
8,37
